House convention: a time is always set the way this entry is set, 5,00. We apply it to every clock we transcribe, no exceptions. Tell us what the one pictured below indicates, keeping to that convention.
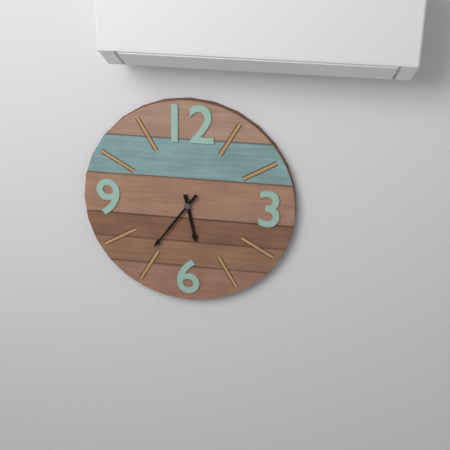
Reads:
5,36
